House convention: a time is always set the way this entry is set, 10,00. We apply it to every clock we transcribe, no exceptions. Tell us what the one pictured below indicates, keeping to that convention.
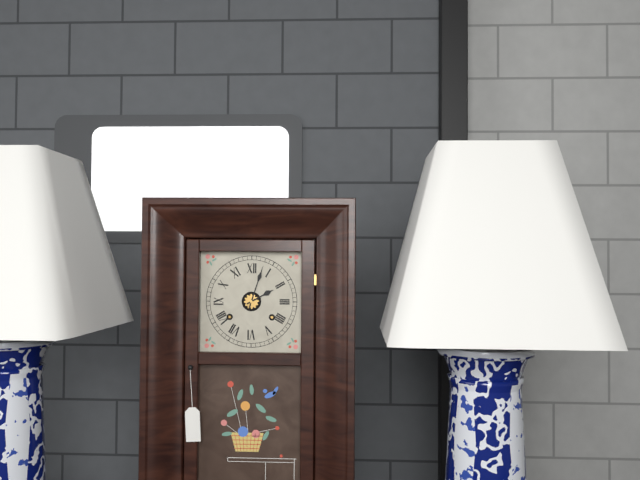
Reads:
2,03
